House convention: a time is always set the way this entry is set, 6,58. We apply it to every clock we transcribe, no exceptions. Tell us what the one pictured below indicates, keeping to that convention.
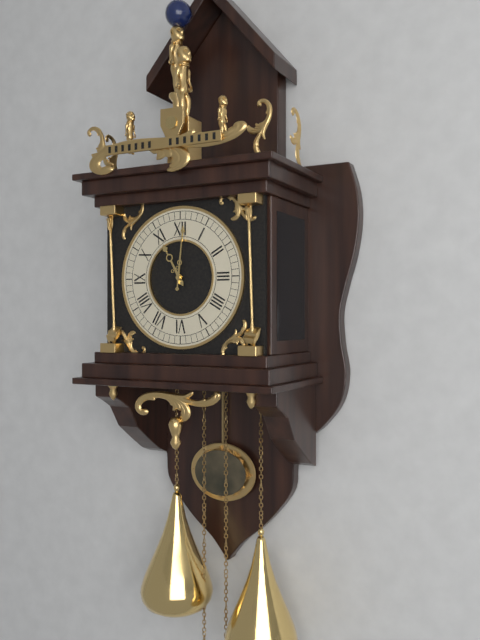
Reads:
11,01
